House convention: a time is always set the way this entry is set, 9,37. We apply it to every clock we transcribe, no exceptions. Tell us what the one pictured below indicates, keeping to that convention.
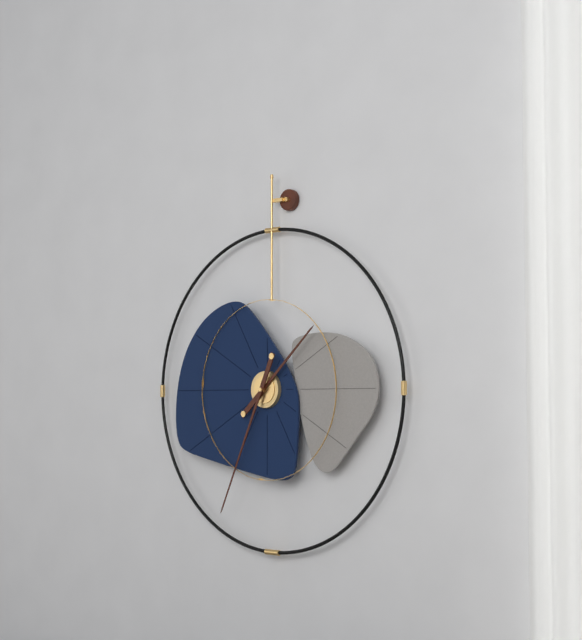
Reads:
1,34
